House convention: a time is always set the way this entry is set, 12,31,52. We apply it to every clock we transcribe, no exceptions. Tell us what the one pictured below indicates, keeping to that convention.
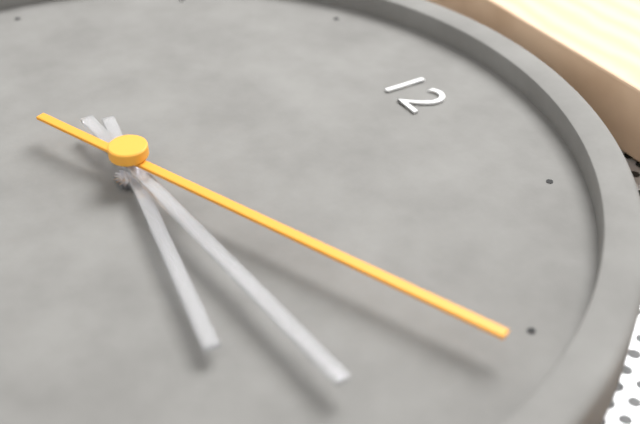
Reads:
3,14,11
